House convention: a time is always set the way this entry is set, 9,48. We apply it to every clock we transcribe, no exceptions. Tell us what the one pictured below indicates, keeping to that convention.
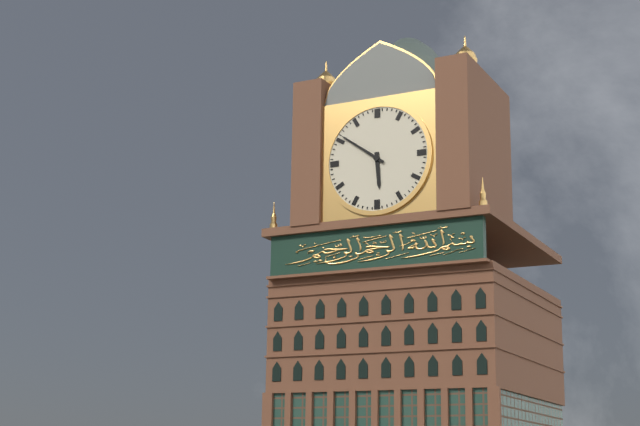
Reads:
5,51
